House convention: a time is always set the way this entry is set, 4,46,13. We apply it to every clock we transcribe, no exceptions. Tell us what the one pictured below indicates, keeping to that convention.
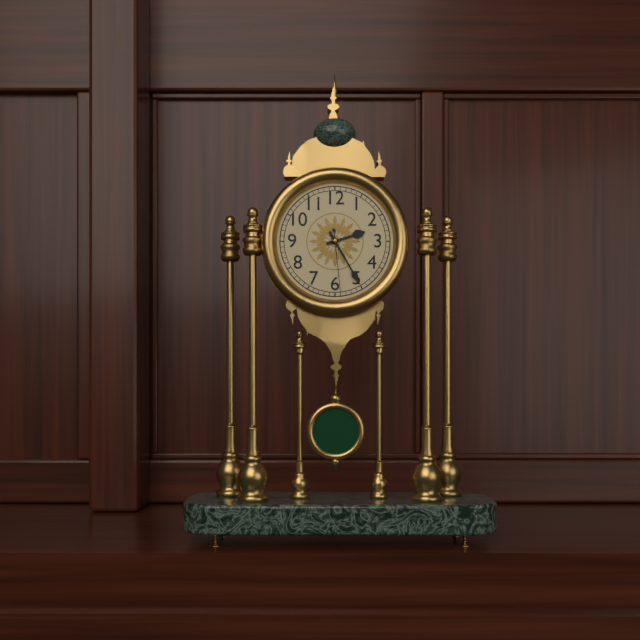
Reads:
2,25,29
